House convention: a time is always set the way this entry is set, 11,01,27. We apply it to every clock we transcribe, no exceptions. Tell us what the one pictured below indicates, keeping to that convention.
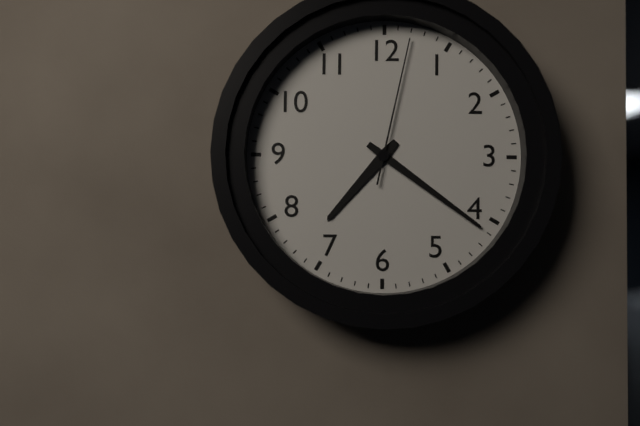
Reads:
7,21,02
